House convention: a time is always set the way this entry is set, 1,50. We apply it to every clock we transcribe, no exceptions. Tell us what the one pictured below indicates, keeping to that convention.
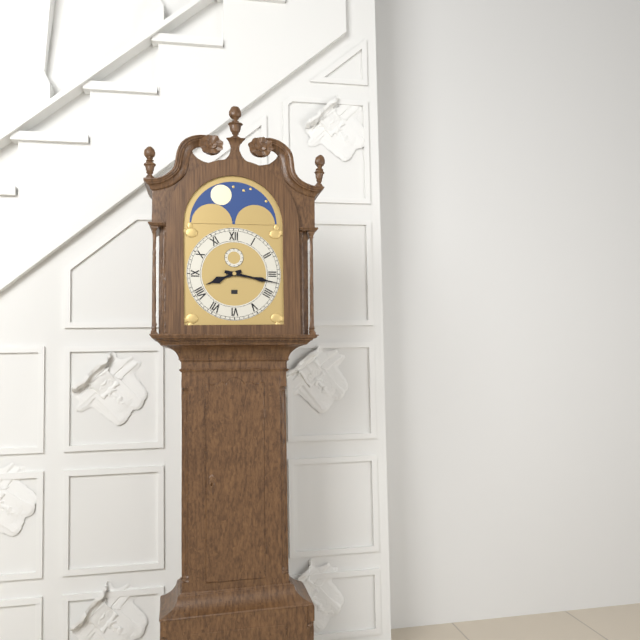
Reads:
8,17
